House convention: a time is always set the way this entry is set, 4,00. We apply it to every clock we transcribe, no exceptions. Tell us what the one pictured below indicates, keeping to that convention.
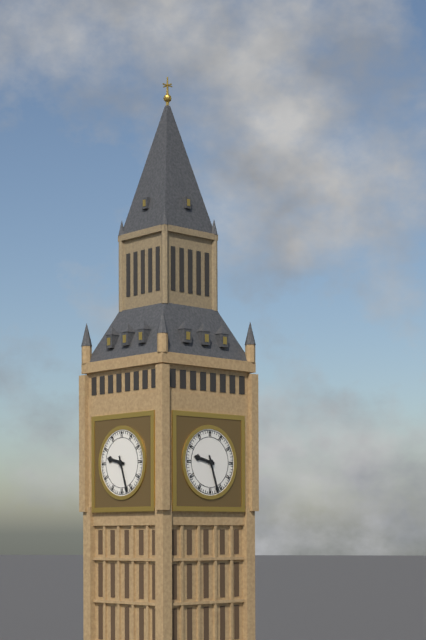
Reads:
9,27
